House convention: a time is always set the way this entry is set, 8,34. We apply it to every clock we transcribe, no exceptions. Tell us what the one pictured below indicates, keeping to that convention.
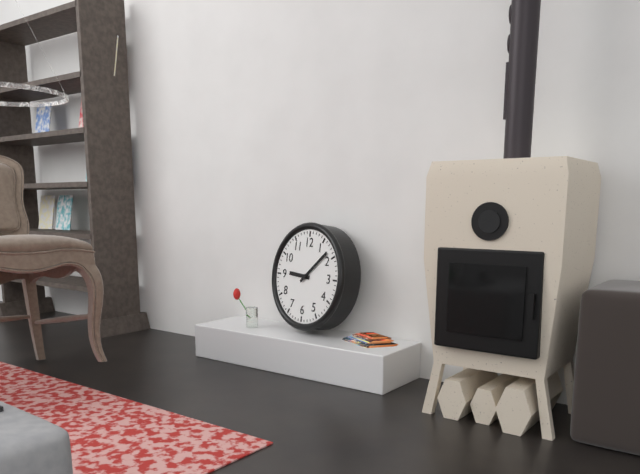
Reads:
9,08
